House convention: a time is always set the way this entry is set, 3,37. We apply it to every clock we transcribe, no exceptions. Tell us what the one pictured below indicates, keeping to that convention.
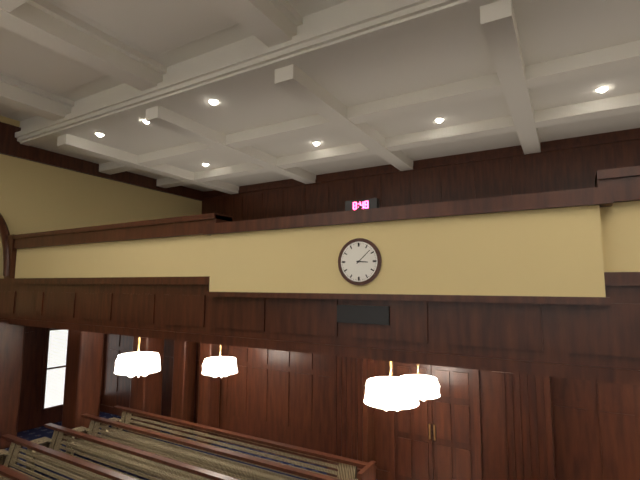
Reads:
3,08
